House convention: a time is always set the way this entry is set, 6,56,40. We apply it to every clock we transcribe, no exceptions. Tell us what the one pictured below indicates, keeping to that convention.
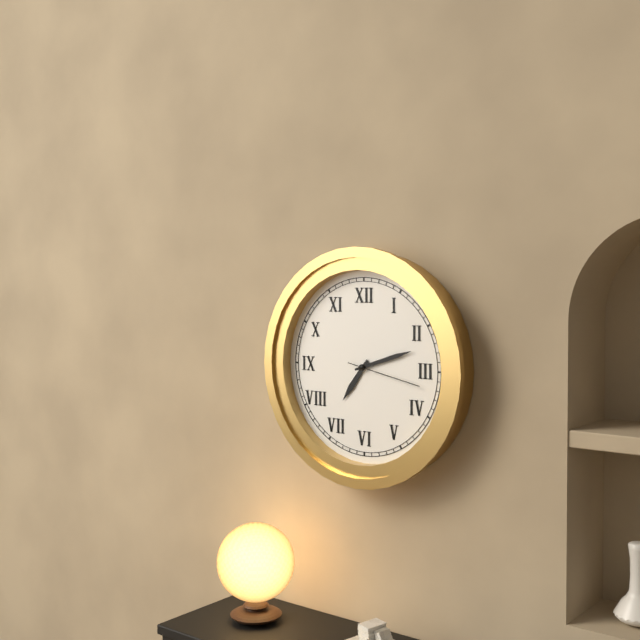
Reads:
7,12,17
